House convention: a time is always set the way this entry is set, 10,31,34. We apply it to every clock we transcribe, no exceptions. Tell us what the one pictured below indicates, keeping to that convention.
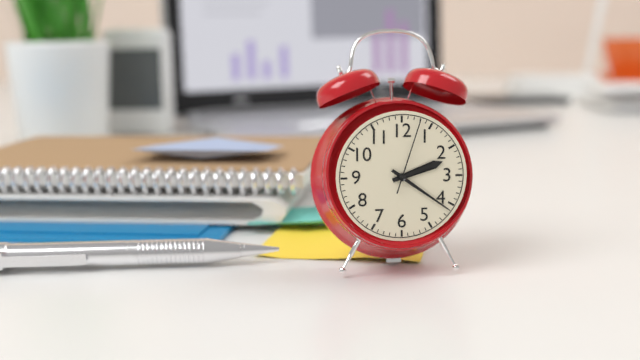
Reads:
2,21,03
